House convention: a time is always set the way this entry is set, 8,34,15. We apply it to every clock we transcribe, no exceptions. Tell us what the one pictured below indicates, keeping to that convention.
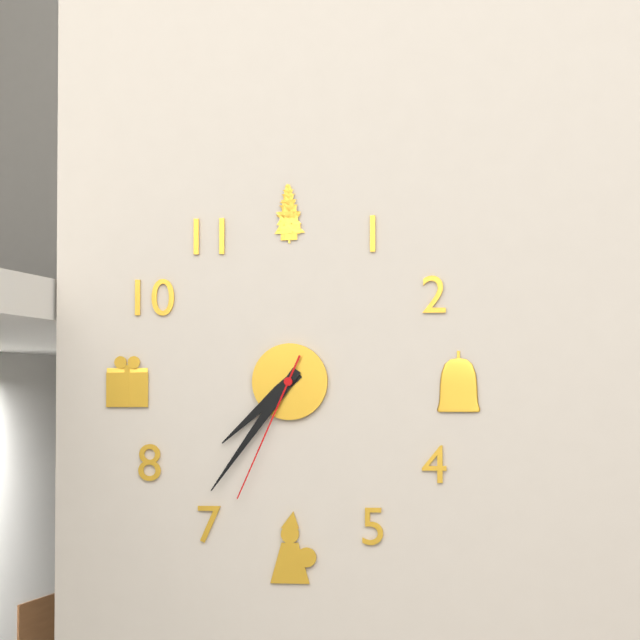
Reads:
7,36,34
